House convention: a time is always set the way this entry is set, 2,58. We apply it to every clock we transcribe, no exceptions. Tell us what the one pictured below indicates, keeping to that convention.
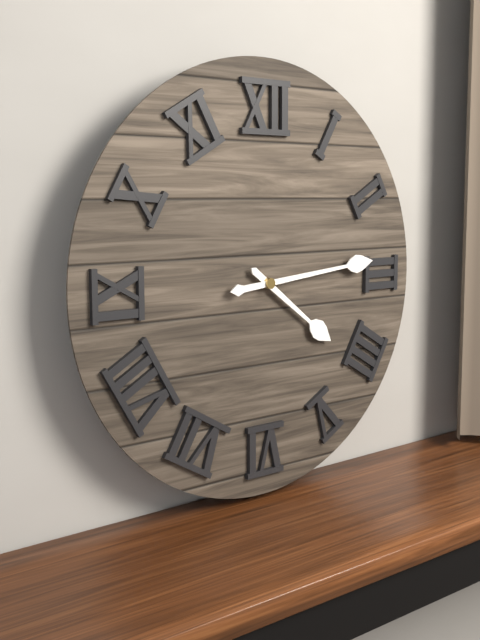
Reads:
4,14
